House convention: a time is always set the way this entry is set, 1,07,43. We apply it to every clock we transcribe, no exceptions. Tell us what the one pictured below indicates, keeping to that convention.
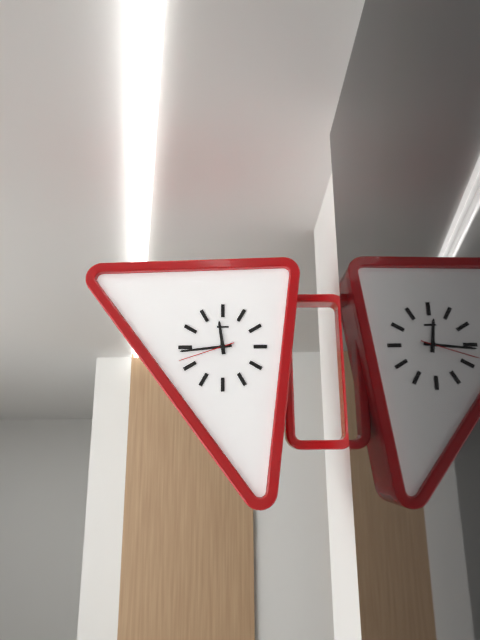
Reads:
11,44,42
